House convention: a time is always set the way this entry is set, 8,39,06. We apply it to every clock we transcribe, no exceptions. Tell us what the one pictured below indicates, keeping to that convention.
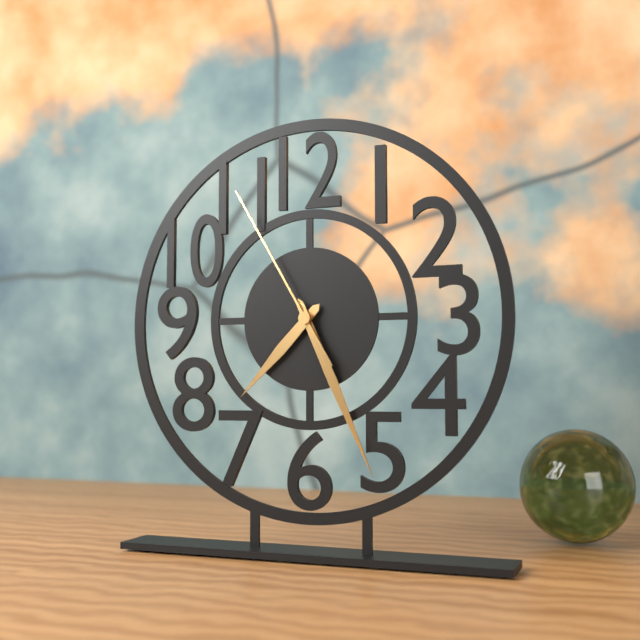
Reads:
7,26,55
